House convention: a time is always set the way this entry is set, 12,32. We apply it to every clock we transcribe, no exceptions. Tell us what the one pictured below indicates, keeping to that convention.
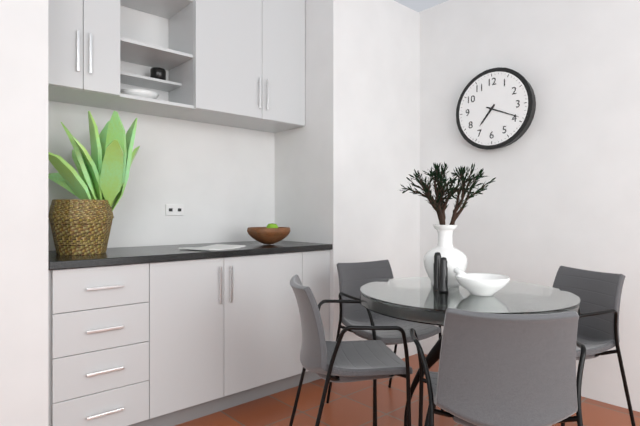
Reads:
7,19
